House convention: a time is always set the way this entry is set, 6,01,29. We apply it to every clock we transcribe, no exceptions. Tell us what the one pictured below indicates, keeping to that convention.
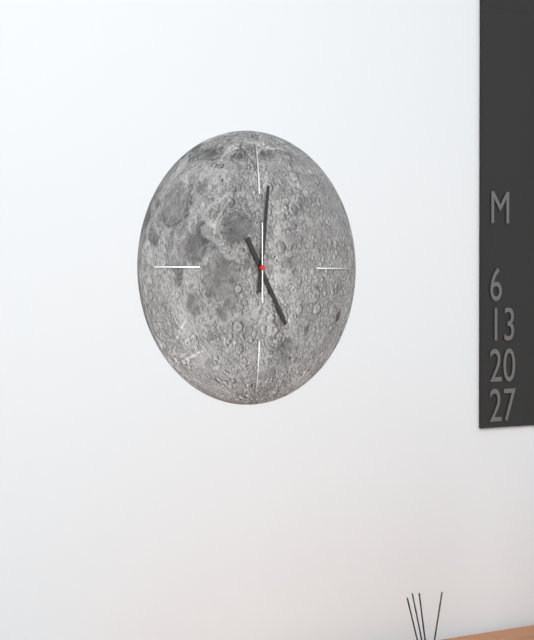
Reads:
5,01,00
